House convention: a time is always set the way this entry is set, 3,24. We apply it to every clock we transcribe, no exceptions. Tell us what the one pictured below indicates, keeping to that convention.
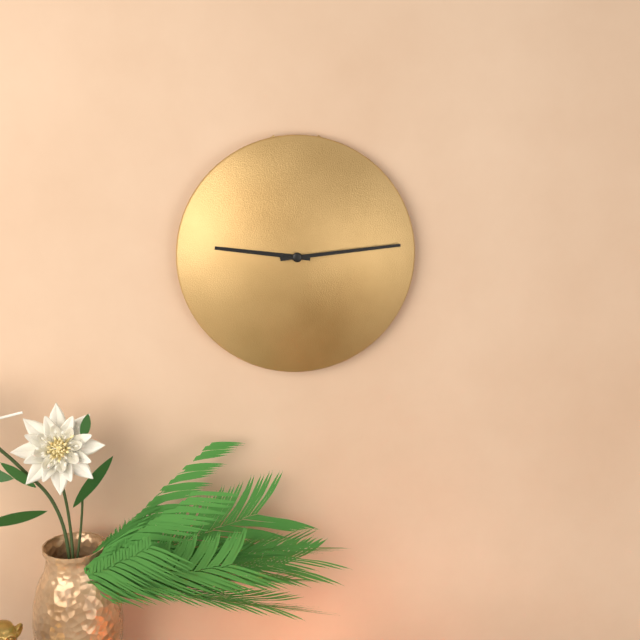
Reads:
9,14
